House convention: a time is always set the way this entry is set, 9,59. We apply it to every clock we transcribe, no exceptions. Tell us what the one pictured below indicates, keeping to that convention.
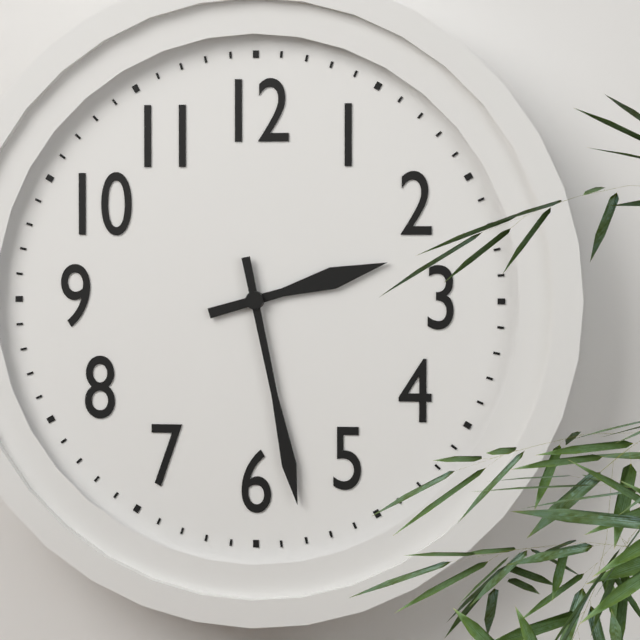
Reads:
2,28
